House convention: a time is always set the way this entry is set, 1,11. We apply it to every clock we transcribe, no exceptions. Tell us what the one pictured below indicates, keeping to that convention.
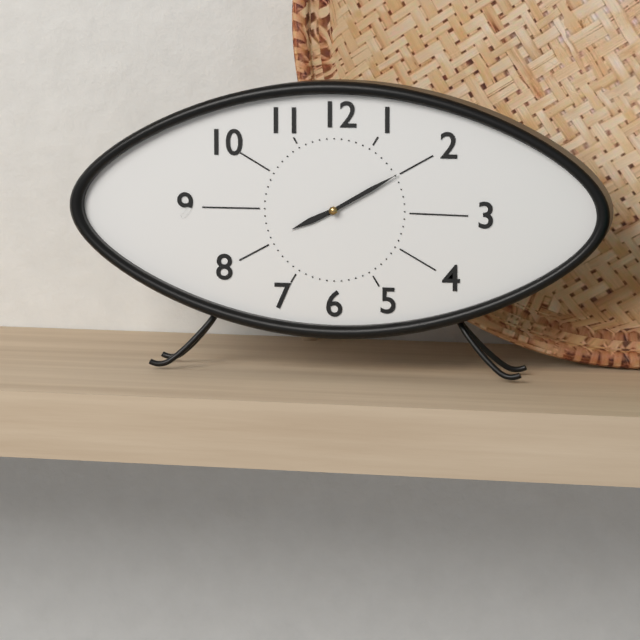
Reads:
8,10
